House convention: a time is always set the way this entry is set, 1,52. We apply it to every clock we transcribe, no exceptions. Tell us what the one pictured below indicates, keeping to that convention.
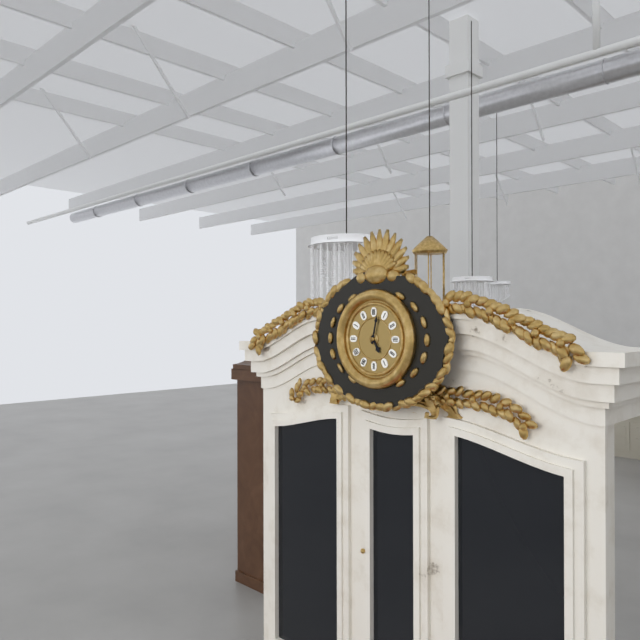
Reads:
5,02
